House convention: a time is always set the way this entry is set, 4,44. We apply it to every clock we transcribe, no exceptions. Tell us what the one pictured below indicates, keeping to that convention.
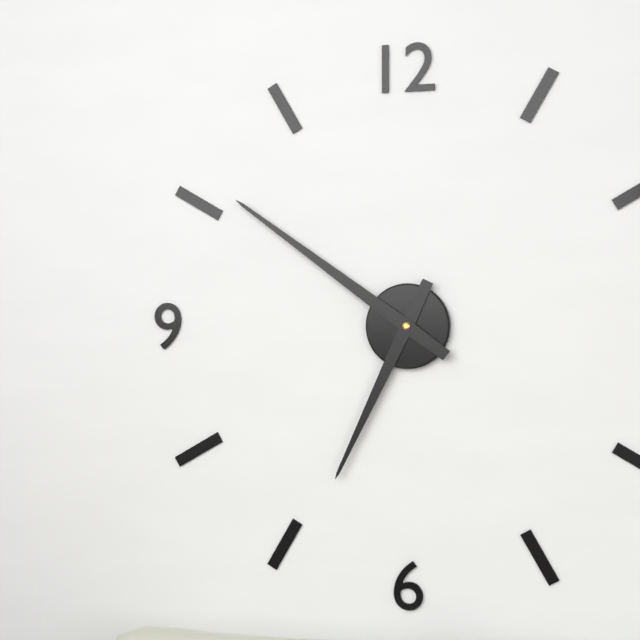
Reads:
6,51
